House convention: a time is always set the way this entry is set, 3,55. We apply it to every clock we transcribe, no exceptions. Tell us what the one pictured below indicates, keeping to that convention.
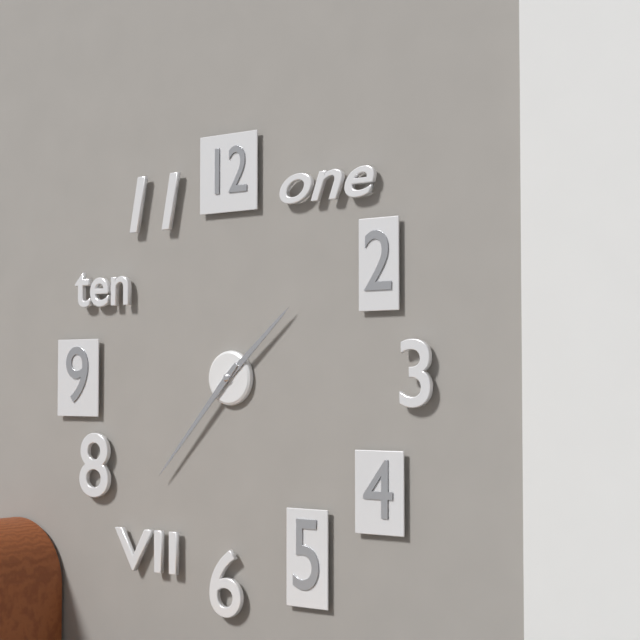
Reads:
1,37
